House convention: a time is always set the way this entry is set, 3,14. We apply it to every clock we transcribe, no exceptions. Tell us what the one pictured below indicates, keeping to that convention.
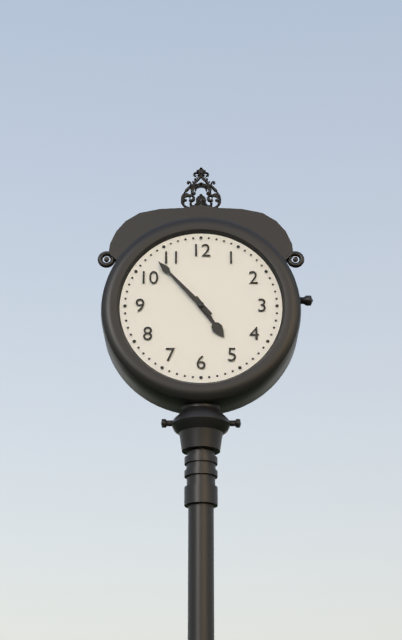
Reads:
4,53
